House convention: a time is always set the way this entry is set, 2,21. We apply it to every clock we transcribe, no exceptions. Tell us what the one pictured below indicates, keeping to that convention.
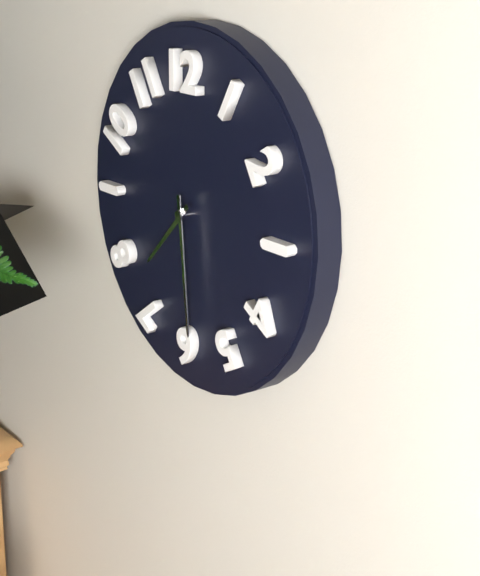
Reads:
7,29
